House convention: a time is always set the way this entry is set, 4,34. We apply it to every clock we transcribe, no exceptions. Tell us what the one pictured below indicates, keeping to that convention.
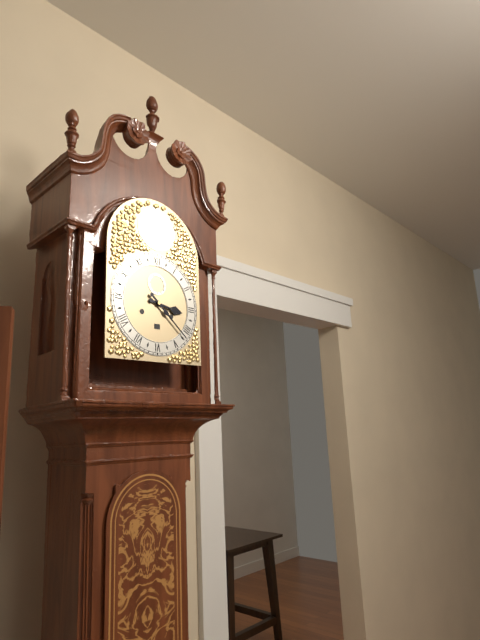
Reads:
3,22
